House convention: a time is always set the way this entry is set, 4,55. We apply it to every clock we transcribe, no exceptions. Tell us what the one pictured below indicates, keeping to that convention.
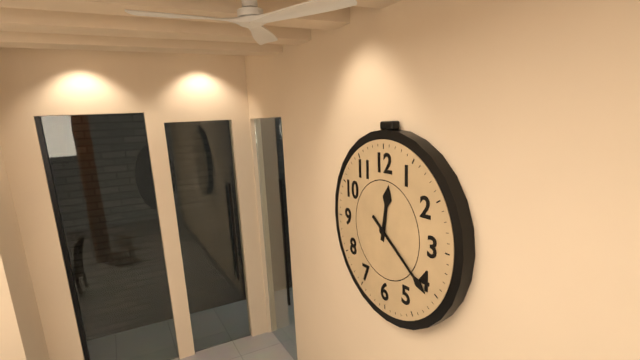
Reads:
12,21
